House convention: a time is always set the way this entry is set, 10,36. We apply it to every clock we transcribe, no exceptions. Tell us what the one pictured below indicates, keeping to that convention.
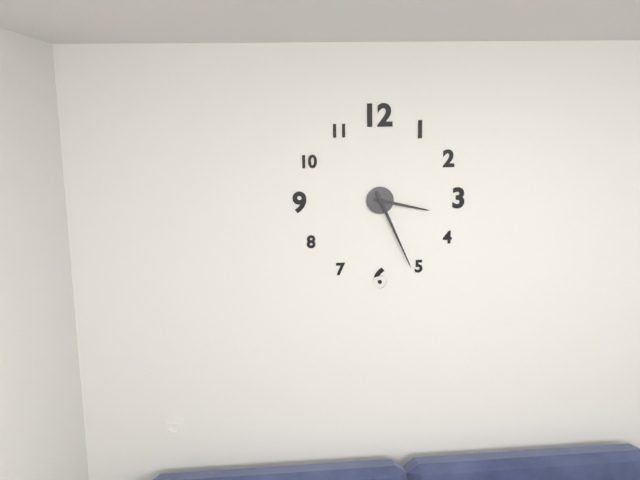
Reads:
3,26
